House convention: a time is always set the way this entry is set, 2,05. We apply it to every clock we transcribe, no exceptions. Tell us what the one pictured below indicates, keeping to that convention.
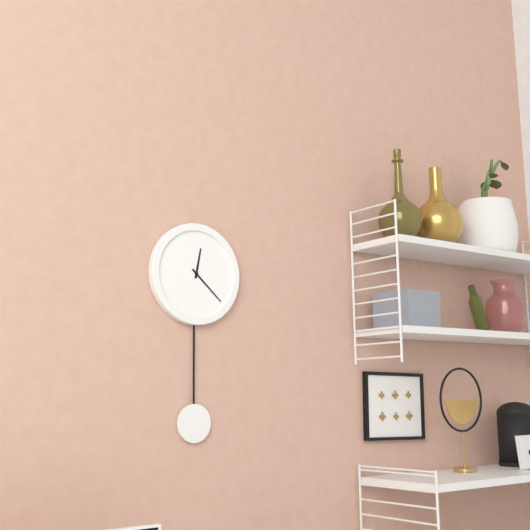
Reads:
12,22
